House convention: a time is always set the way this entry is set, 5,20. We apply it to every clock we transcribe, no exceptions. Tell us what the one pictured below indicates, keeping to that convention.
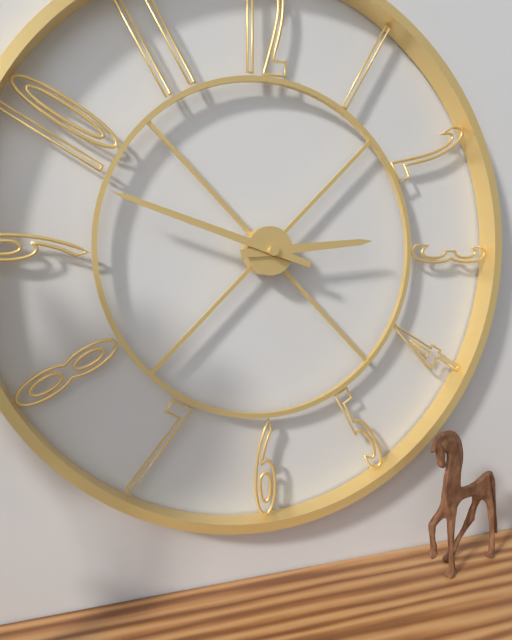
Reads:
2,48
